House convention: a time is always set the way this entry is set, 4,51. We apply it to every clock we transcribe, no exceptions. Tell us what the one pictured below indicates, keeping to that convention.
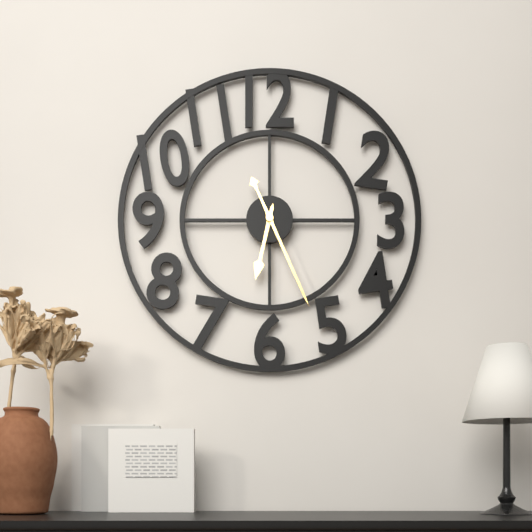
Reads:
6,26
